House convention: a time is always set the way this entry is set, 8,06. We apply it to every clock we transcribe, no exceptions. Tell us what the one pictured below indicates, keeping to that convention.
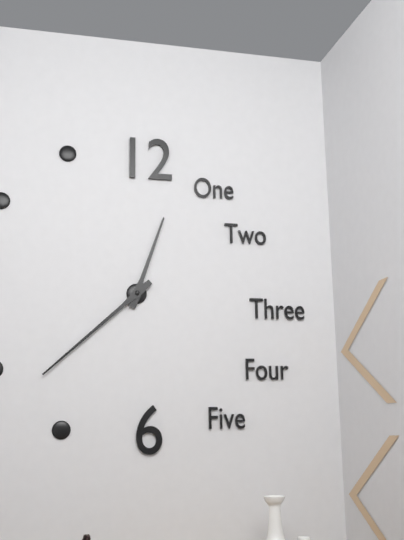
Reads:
12,38
